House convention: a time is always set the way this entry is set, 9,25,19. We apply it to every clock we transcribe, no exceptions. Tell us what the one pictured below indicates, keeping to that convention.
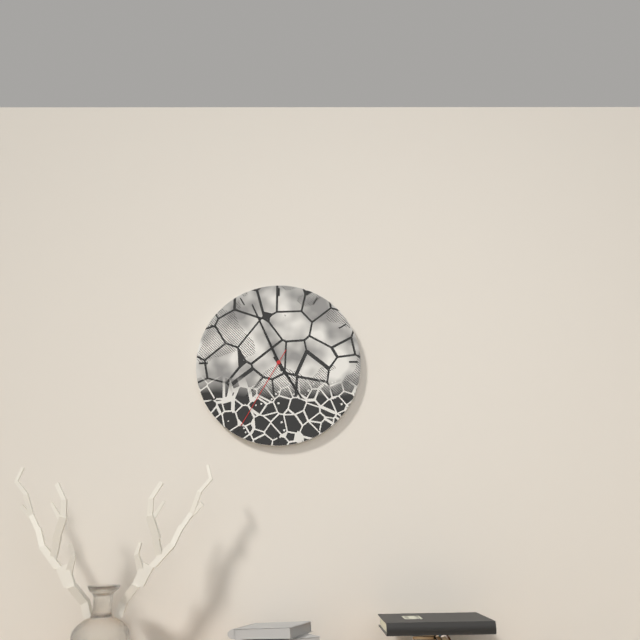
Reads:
4,56,35
